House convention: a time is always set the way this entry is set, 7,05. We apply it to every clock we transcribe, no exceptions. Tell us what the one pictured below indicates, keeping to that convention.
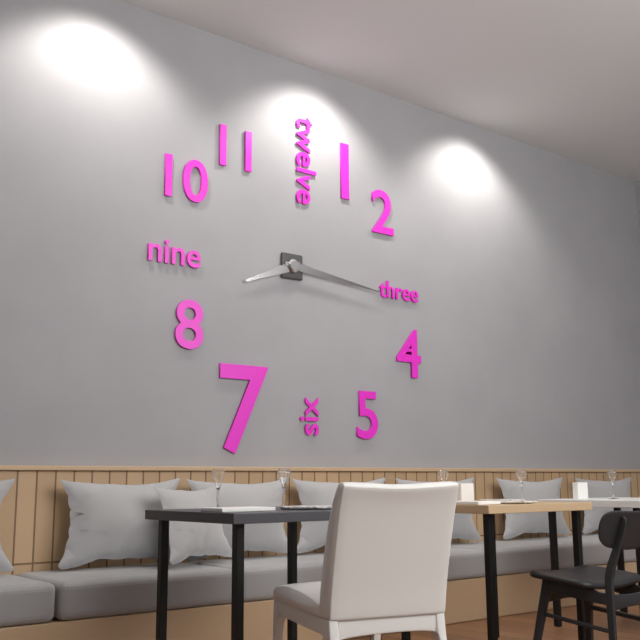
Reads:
8,16
